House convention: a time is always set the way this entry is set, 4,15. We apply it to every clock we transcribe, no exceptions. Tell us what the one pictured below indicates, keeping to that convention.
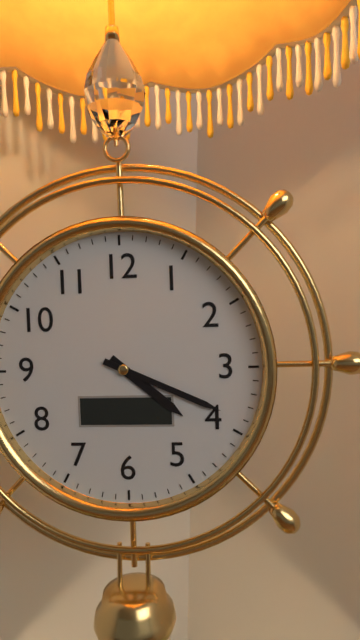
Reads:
4,19
